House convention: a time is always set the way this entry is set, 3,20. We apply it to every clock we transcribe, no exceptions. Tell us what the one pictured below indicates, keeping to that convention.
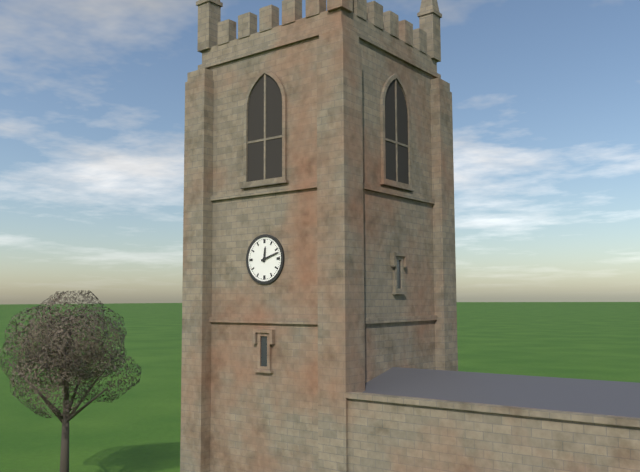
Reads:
12,12
